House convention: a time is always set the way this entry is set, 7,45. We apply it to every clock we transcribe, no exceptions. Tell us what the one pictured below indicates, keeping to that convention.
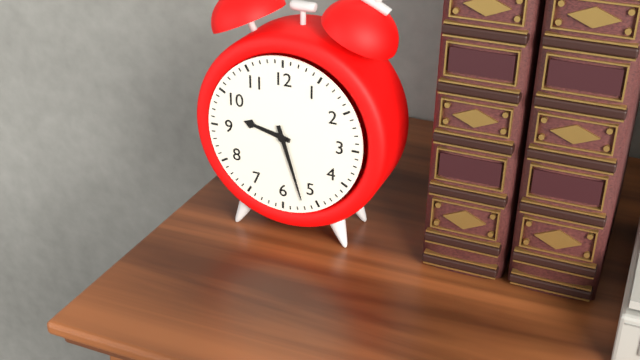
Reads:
9,27
